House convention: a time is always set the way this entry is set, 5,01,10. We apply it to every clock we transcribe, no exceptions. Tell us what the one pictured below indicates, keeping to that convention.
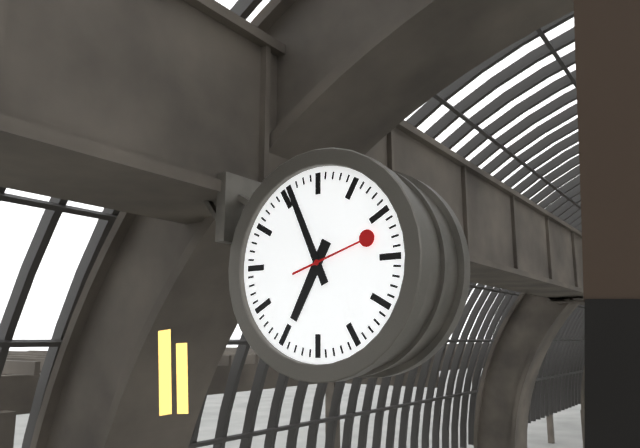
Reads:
6,56,12
